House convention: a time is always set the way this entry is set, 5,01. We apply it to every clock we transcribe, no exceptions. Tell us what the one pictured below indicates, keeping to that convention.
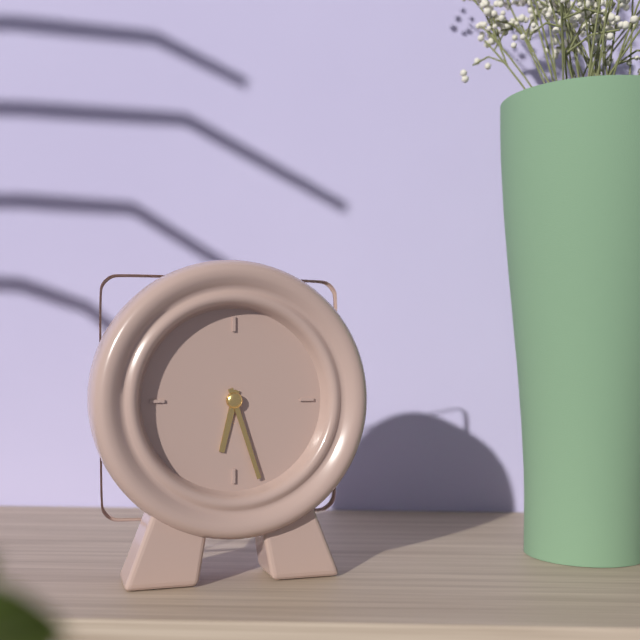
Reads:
6,27
